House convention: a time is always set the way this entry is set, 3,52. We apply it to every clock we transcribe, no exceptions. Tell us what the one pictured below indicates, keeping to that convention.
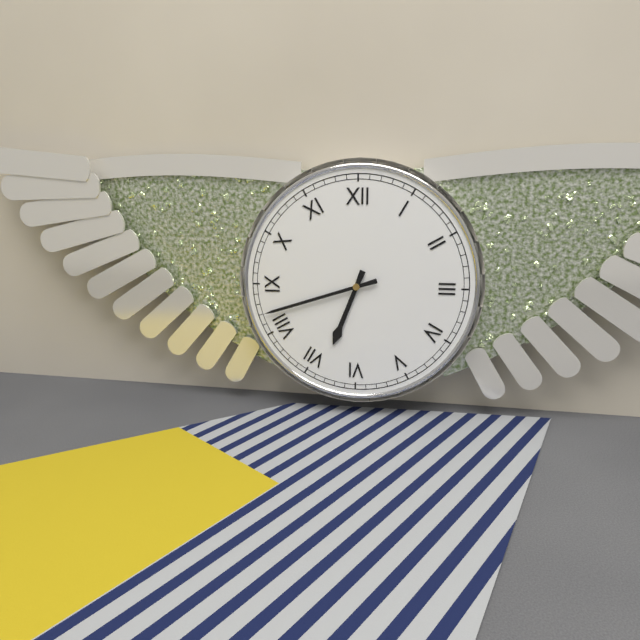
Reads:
6,42
